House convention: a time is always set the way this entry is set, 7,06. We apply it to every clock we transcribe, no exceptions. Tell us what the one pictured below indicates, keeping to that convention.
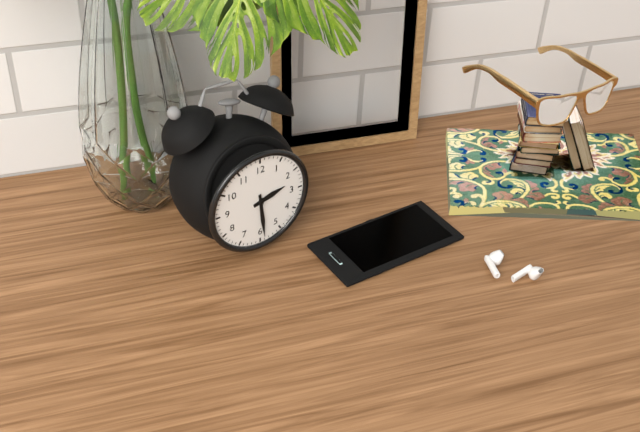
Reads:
2,29
